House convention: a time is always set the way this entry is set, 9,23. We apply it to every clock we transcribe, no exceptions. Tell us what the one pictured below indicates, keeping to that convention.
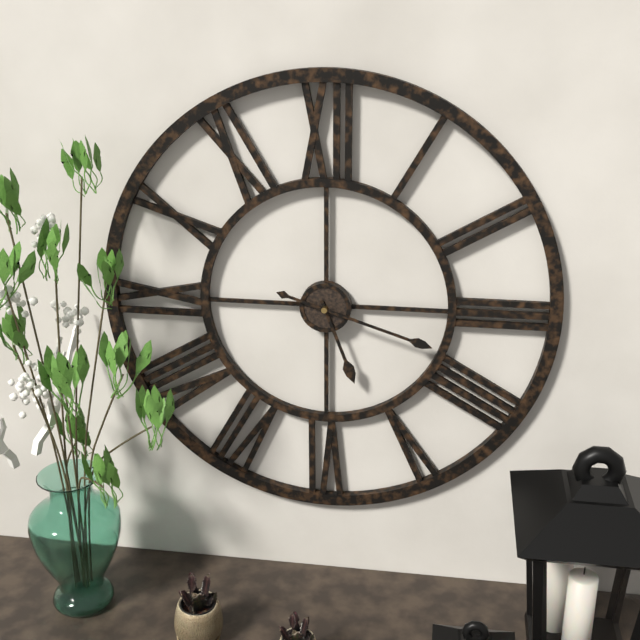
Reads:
5,18
